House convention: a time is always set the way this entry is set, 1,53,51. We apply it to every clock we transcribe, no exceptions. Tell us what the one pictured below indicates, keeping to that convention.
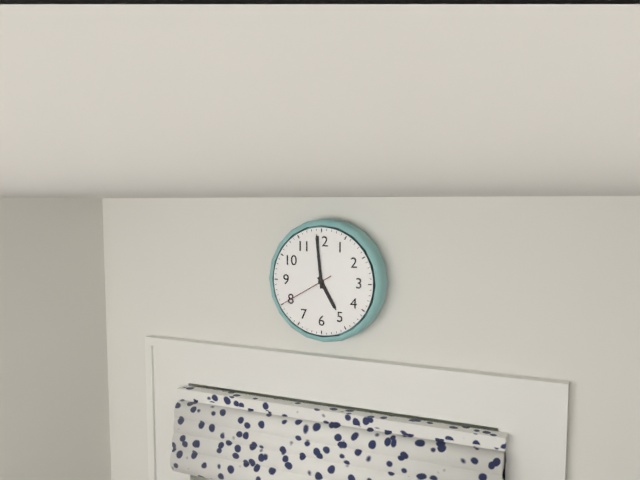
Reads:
4,59,40
